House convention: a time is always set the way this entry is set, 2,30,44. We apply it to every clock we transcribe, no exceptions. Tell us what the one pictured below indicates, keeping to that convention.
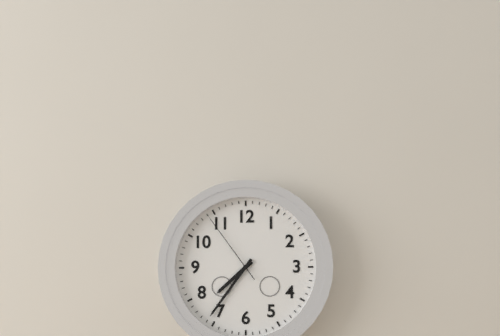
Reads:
7,36,54
